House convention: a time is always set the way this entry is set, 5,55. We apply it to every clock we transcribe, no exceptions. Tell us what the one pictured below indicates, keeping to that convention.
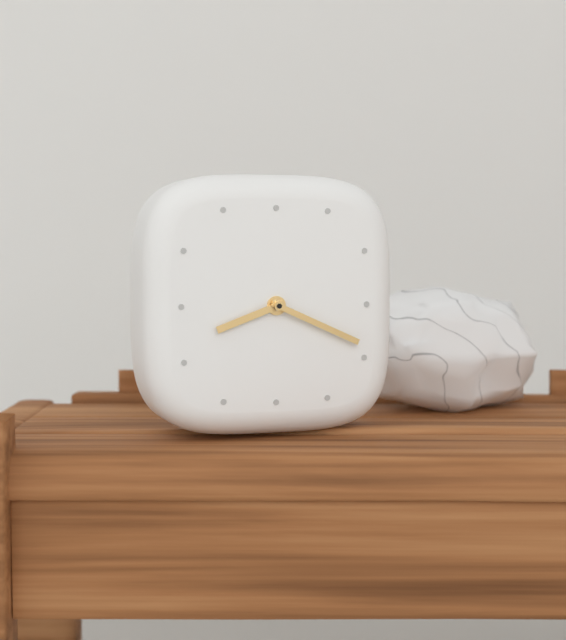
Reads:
8,19
